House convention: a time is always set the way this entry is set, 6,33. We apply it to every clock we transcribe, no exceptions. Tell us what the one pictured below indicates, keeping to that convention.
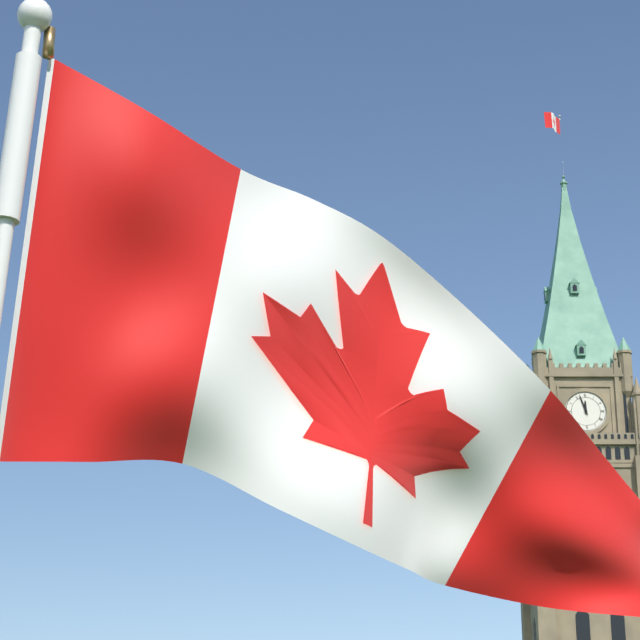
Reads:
11,57
